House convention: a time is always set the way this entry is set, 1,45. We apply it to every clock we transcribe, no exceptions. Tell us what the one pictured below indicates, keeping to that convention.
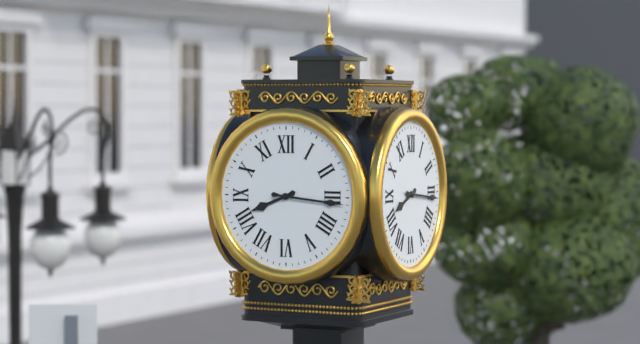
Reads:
8,16
